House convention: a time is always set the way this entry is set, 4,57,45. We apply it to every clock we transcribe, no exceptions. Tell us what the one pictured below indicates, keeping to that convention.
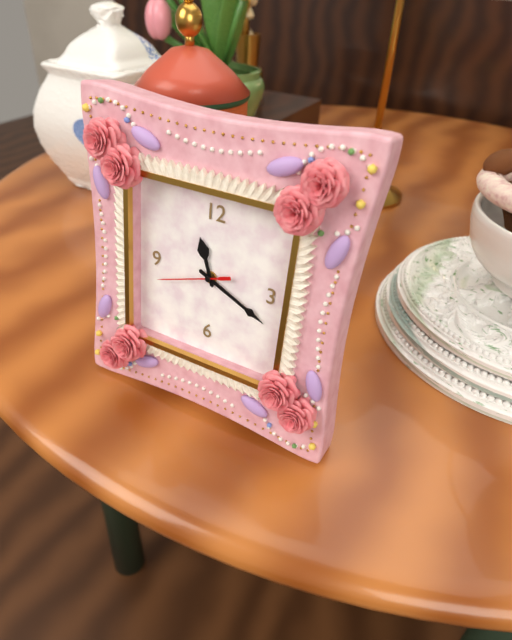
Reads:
11,19,42
